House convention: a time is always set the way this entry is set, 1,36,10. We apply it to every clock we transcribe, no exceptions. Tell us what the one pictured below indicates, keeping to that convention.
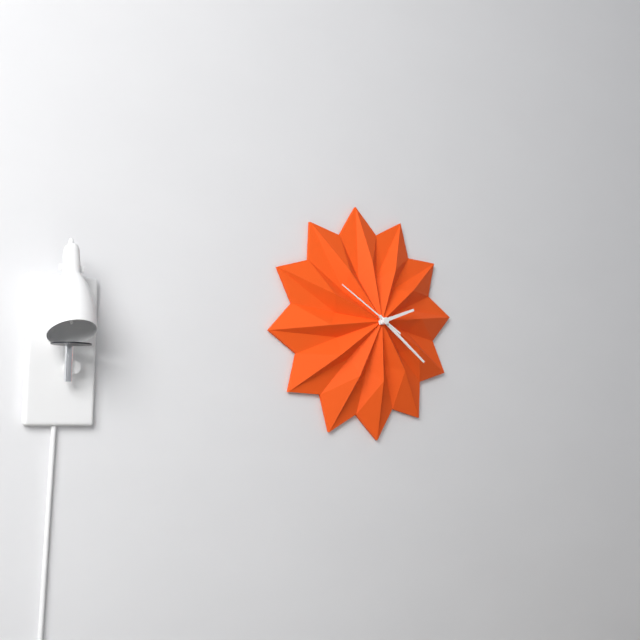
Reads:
2,21,50
